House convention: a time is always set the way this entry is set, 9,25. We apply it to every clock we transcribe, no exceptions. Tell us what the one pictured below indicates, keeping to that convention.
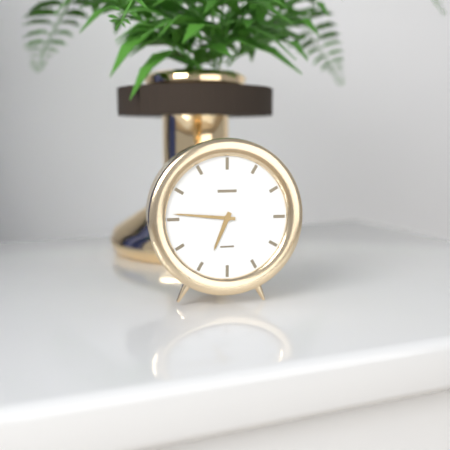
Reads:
6,46
